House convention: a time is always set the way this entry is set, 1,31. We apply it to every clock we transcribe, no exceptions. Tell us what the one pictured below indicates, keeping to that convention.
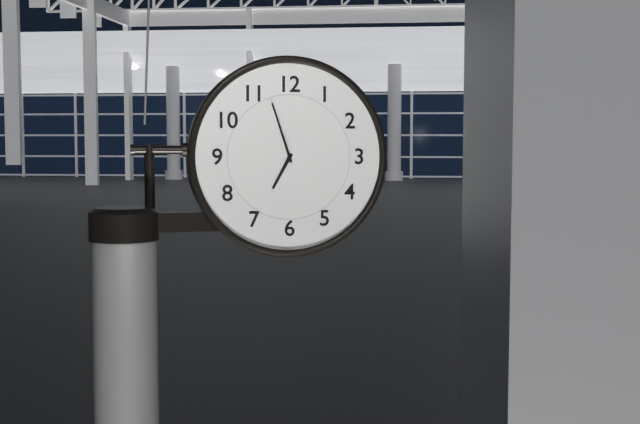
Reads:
6,57
